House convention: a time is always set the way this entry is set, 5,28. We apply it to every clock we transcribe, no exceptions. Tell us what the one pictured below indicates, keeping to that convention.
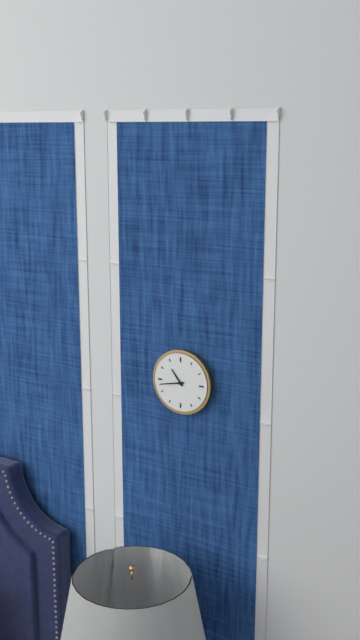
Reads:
10,43
